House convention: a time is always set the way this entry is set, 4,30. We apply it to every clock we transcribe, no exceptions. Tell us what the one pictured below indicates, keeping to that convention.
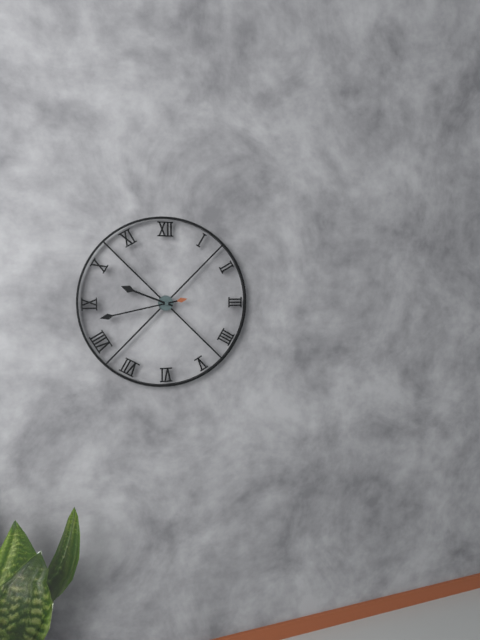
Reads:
9,43
